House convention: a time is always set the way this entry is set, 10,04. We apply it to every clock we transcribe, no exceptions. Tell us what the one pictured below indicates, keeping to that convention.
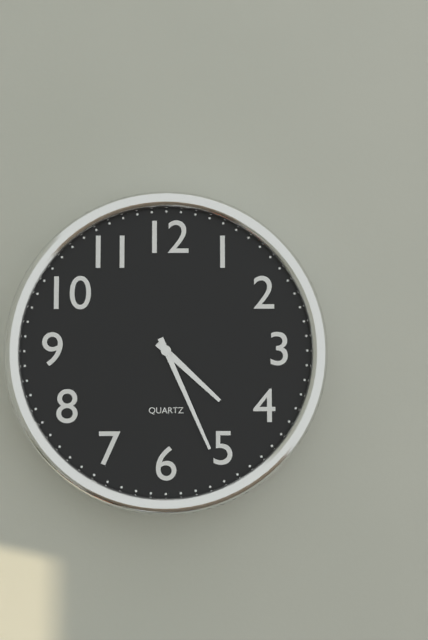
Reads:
4,26
